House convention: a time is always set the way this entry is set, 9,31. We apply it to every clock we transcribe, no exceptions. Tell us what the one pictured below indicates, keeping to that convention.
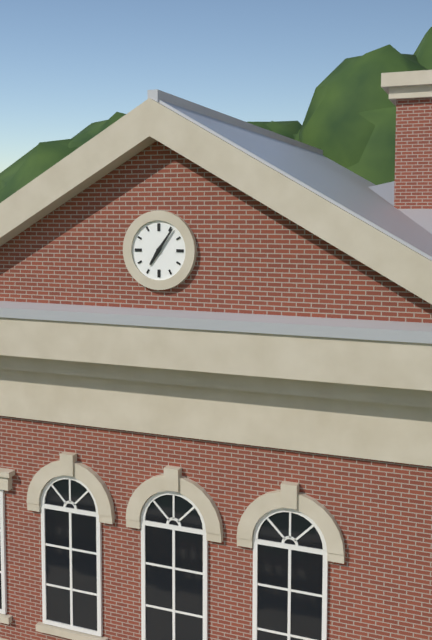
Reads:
7,06
